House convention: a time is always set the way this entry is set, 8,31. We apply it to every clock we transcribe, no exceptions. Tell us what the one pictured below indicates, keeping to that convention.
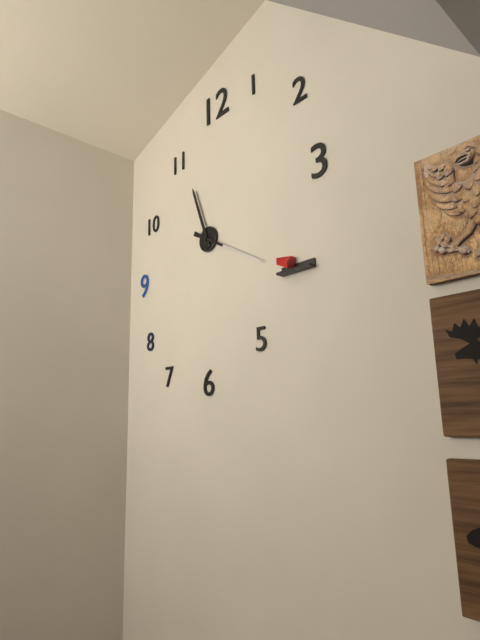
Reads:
11,20
